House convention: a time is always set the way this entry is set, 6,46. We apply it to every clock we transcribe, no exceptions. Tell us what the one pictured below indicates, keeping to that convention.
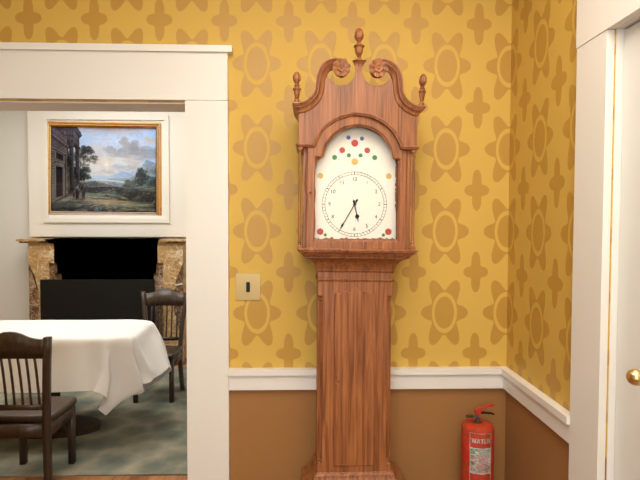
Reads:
5,35
